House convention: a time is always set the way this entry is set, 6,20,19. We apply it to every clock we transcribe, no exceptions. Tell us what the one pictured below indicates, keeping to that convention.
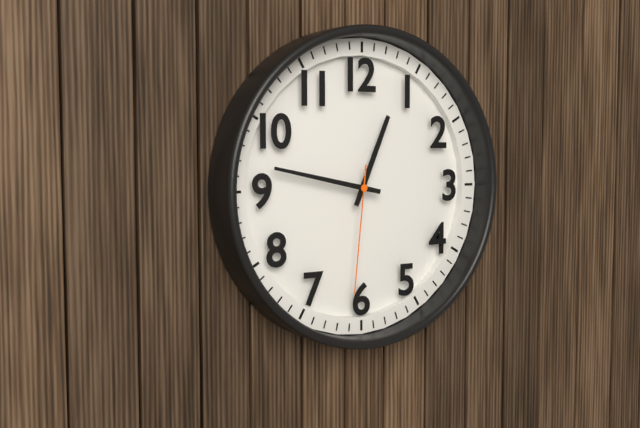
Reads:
12,47,31
